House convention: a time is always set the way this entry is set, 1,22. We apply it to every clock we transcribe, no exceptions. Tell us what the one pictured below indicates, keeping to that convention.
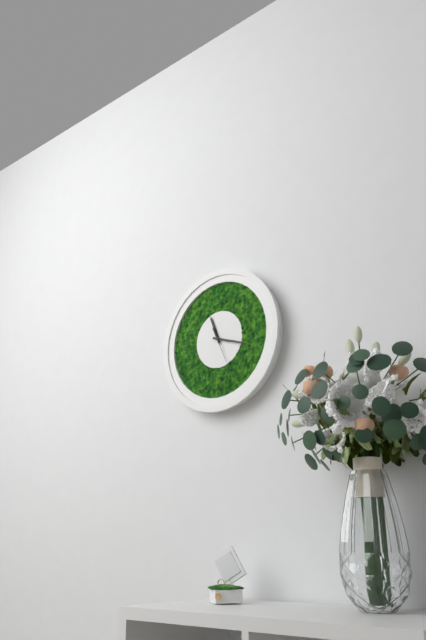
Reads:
11,18
